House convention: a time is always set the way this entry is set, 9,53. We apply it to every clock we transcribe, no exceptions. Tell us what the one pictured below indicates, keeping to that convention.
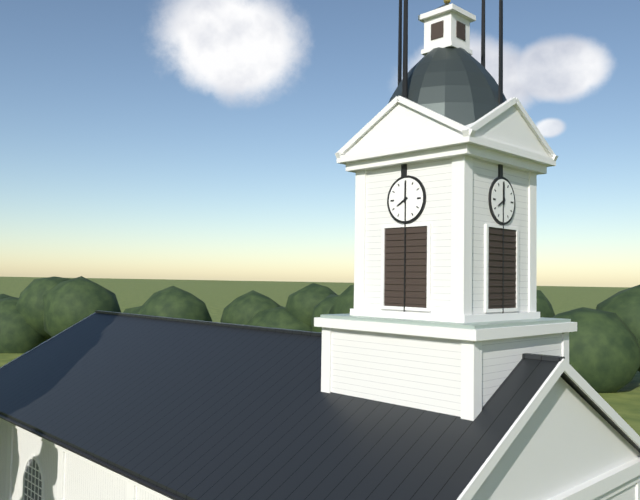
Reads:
8,00
